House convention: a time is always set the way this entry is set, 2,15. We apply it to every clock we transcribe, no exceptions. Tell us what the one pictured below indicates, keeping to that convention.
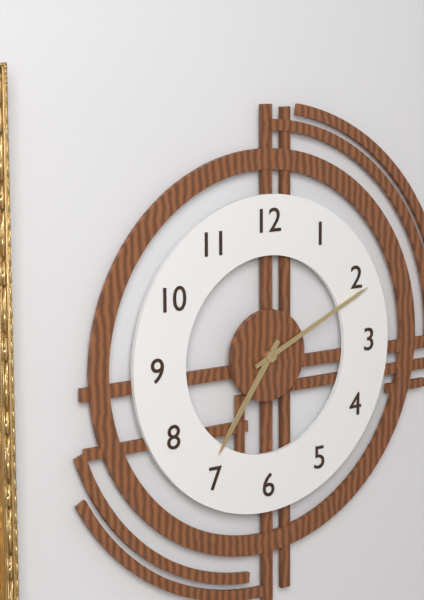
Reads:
7,11
